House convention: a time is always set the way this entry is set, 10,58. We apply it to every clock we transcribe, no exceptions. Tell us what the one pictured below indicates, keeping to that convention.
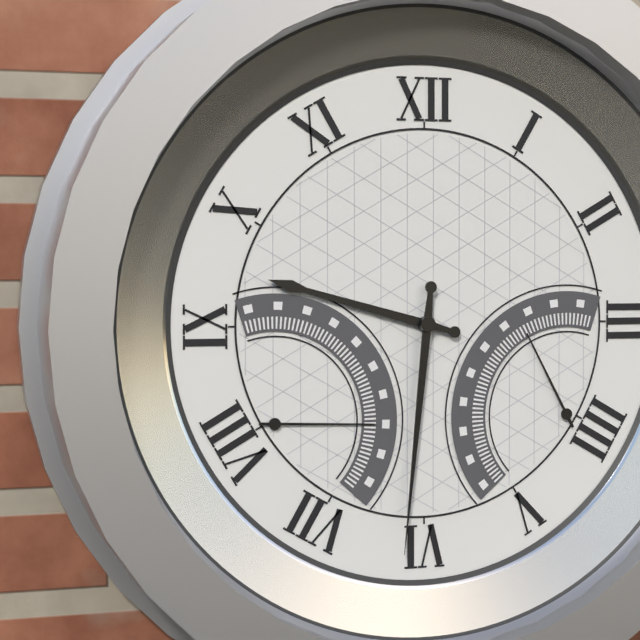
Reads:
9,31
